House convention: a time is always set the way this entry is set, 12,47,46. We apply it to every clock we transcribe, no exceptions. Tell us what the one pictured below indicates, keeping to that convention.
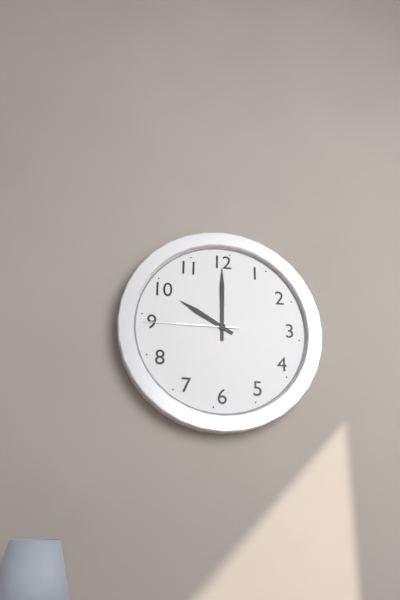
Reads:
10,00,45
